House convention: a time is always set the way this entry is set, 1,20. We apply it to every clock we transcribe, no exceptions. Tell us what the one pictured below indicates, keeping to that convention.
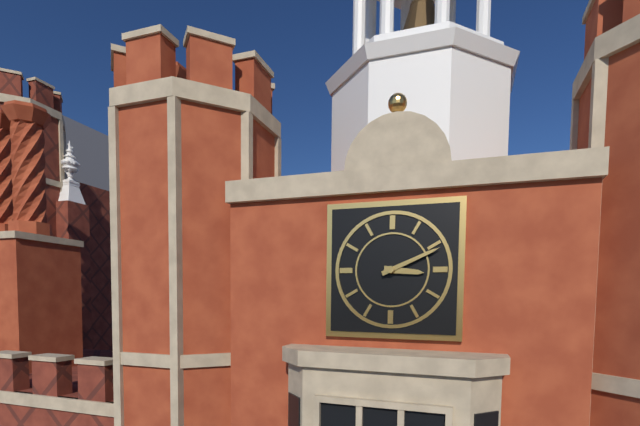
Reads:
3,11
